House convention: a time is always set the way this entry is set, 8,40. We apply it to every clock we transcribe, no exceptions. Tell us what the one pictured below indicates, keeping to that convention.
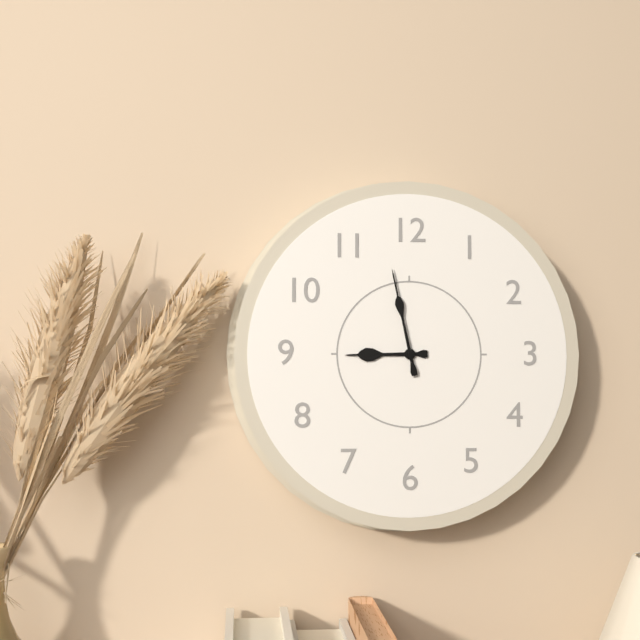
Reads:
8,58
